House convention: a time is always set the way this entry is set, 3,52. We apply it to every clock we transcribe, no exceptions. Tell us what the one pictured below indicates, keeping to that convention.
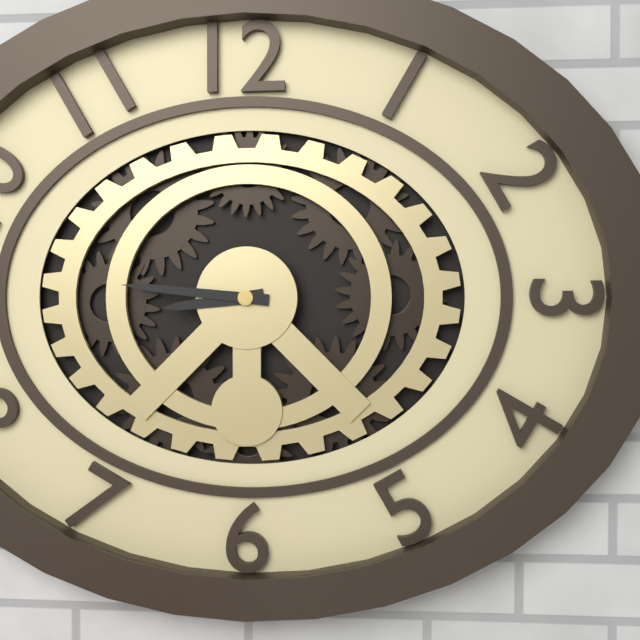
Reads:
8,46
